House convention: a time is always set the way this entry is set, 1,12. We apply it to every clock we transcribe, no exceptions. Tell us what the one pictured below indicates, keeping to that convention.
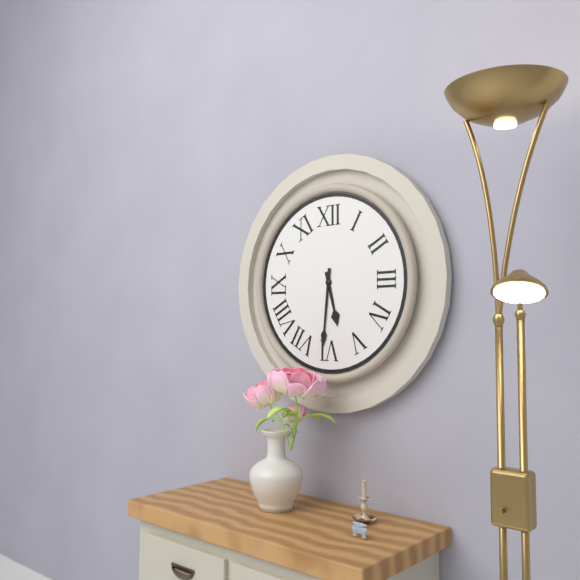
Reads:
5,31
